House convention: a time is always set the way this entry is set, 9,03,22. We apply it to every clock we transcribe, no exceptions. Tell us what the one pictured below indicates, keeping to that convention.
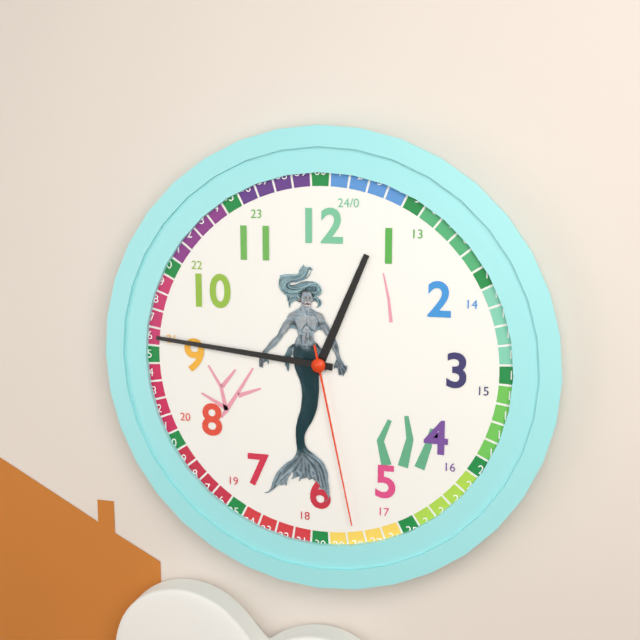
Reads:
12,46,28
